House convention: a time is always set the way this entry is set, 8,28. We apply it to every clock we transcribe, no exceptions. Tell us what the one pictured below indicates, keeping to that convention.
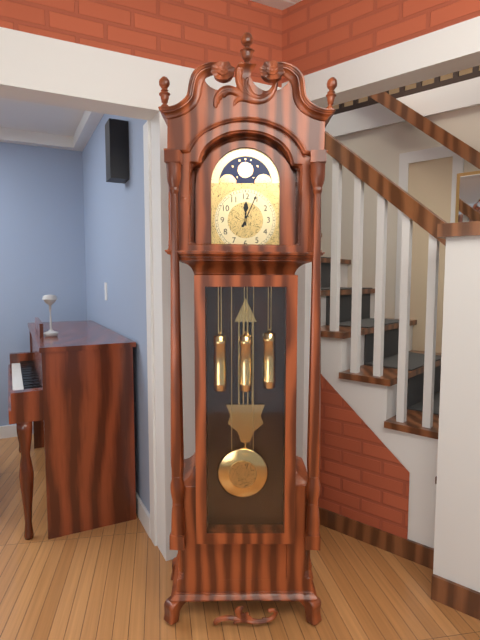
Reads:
12,04
